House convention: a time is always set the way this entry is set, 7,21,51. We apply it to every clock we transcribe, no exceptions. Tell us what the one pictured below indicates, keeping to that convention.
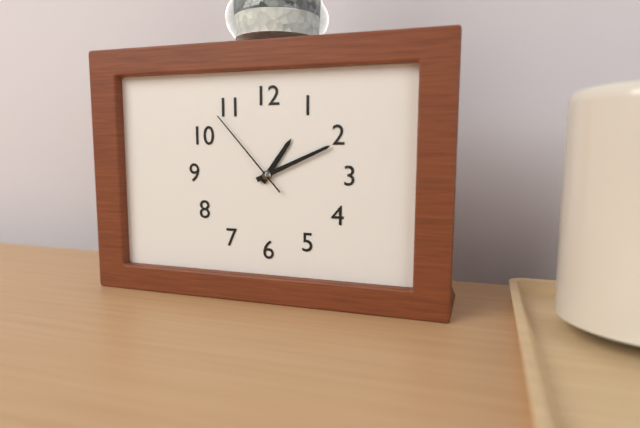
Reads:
1,11,53
